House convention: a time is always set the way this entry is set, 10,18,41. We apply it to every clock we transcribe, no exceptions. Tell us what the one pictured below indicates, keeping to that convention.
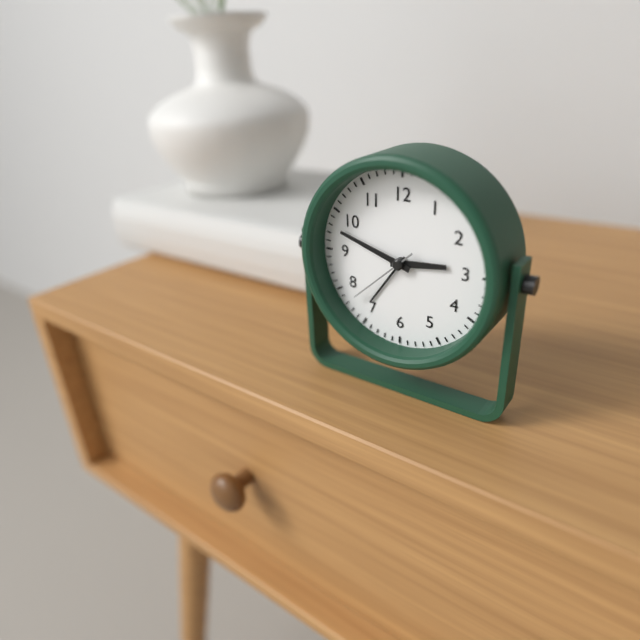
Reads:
2,48,38
